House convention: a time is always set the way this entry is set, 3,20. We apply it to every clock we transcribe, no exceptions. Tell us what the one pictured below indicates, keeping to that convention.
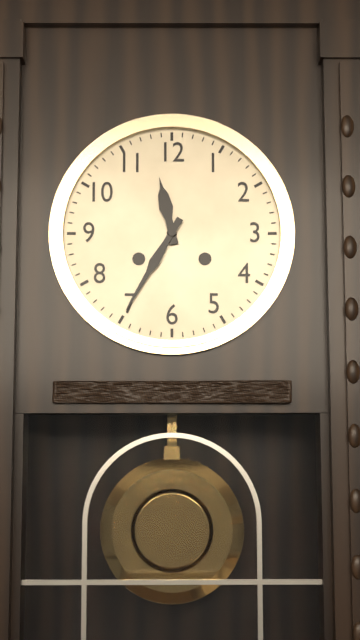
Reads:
11,35
